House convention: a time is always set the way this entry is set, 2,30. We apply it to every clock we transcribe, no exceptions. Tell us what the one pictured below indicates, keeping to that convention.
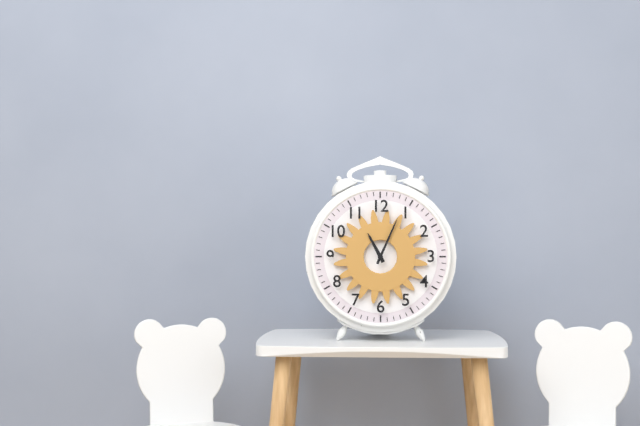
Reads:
11,04
